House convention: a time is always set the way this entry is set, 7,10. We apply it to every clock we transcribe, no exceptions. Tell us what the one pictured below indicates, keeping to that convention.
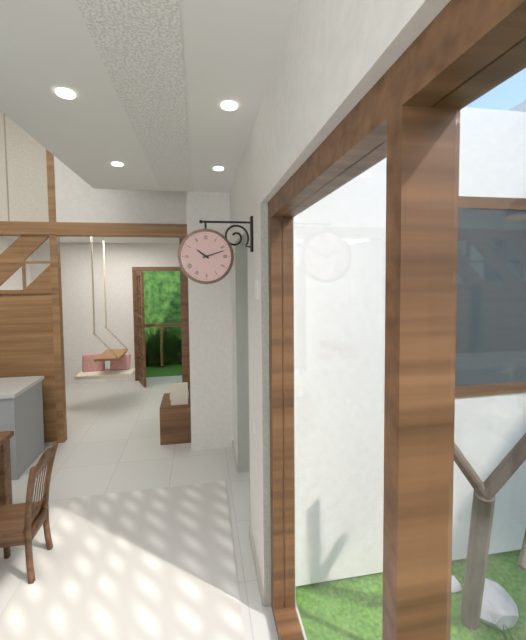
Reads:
10,12
